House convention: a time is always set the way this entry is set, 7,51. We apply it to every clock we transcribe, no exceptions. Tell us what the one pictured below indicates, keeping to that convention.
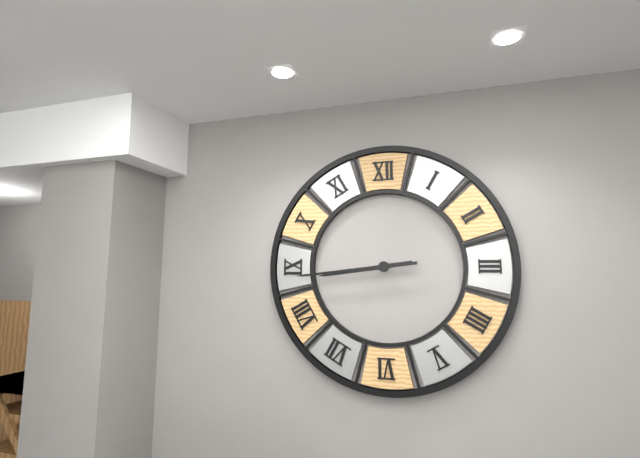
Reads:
8,44
